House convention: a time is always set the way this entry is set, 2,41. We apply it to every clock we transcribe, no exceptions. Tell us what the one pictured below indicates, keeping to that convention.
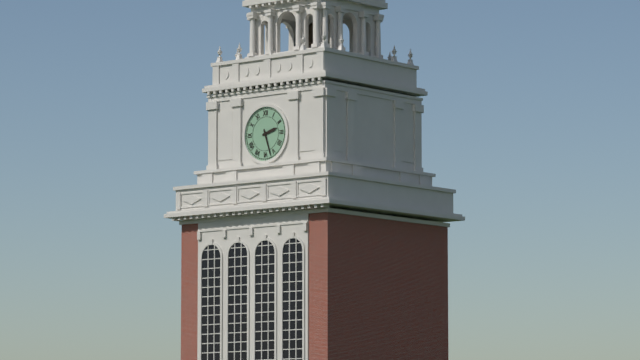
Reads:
2,27
